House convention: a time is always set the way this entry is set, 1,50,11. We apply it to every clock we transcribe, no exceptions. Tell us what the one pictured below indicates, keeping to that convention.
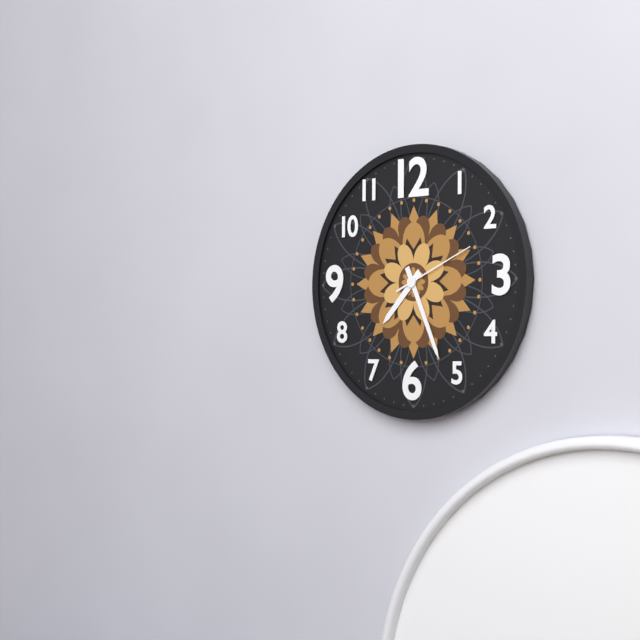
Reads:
7,26,11
